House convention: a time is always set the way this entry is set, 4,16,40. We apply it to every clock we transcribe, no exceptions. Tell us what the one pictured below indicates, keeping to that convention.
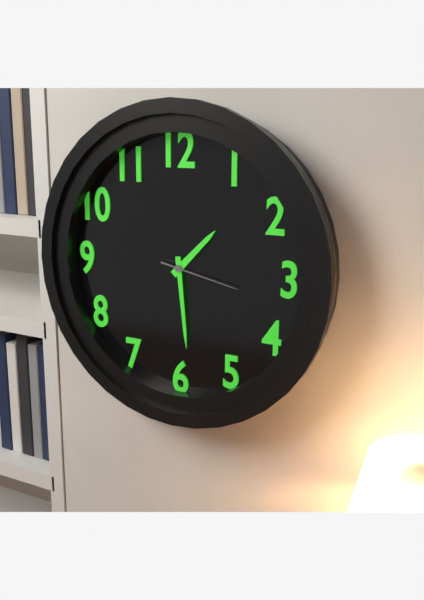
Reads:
1,29,17
